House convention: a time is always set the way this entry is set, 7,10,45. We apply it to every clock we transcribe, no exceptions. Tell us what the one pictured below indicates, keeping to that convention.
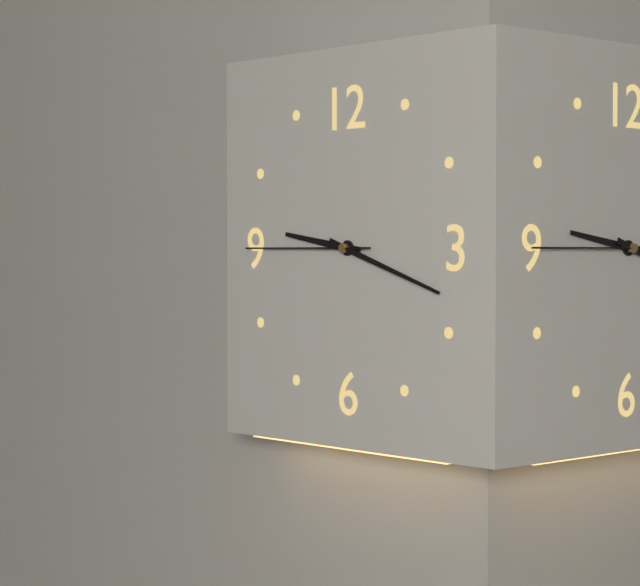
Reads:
9,18,45
